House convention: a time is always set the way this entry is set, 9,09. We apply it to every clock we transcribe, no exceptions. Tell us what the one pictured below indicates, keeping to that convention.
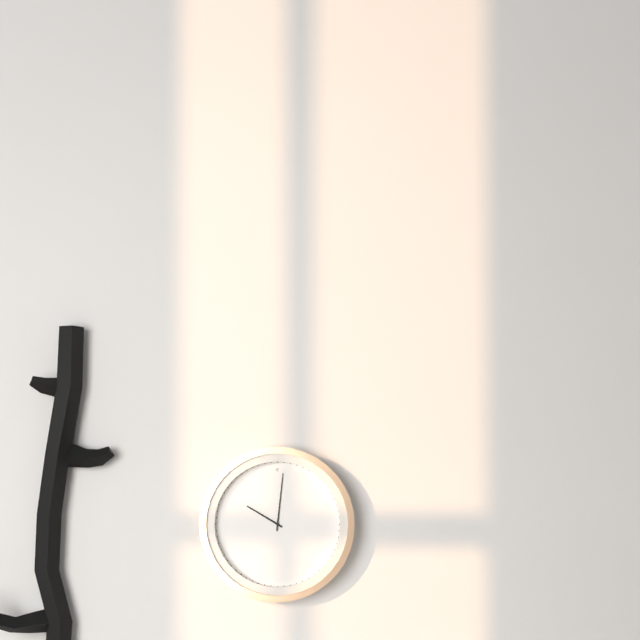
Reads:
10,01
